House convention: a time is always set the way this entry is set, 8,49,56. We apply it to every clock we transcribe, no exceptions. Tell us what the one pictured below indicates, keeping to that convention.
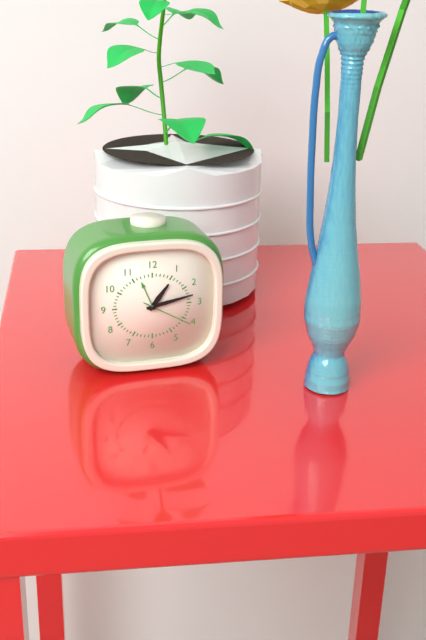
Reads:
1,13,20
